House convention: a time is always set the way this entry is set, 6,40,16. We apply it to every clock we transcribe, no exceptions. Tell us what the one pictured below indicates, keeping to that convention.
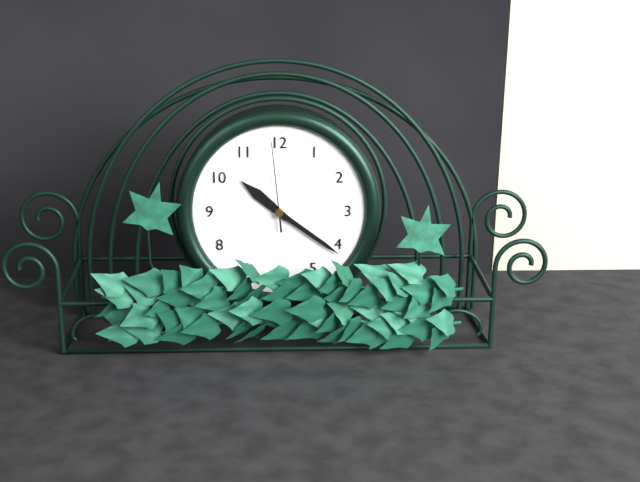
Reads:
10,21,59
